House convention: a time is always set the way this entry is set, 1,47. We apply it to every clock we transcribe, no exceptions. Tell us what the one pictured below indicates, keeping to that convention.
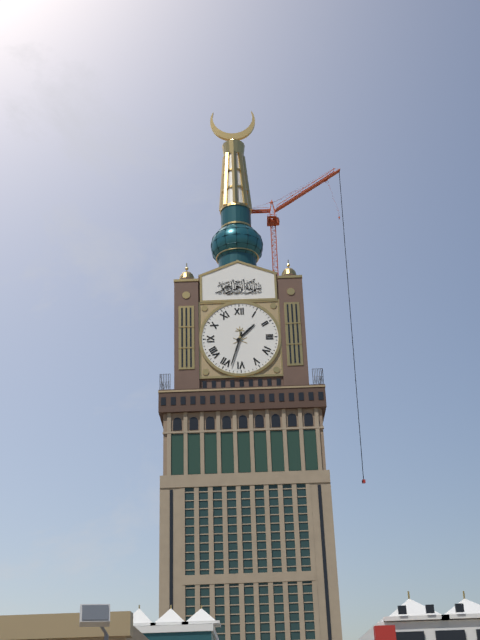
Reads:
1,33
